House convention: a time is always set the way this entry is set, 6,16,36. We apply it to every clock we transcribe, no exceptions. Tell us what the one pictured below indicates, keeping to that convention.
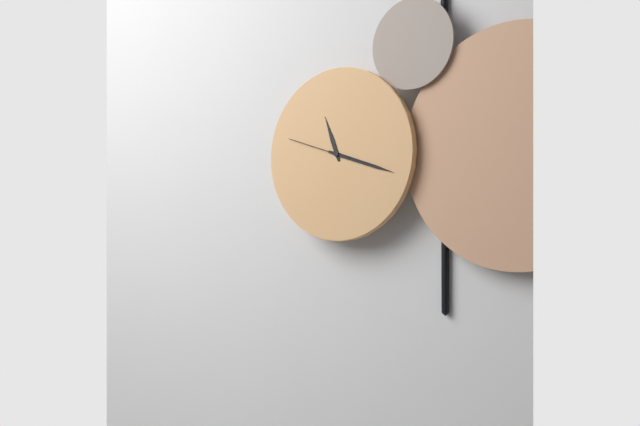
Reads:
11,18,48
